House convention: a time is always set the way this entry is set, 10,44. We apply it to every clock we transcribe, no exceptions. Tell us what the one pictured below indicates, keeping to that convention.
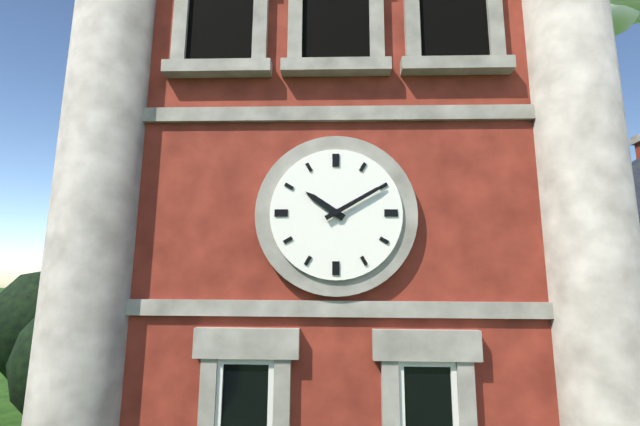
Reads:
10,10
